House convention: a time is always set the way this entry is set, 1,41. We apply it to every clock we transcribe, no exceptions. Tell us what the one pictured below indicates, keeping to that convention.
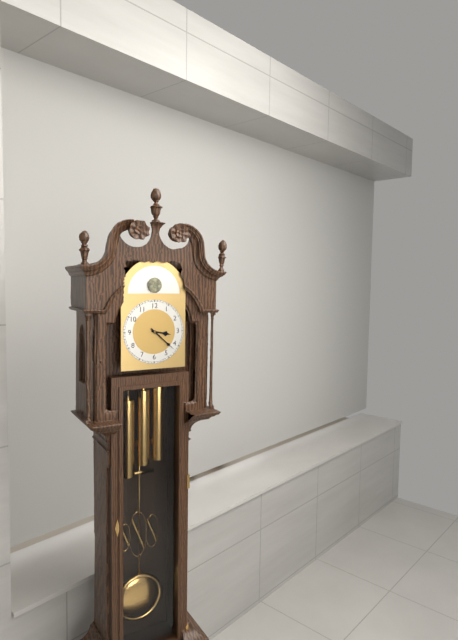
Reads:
3,22
